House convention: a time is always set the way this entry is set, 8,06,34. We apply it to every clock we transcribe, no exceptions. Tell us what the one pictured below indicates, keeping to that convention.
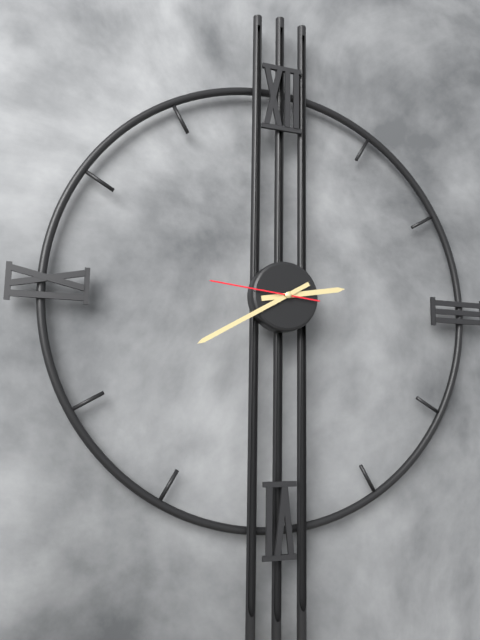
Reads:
2,40,46
